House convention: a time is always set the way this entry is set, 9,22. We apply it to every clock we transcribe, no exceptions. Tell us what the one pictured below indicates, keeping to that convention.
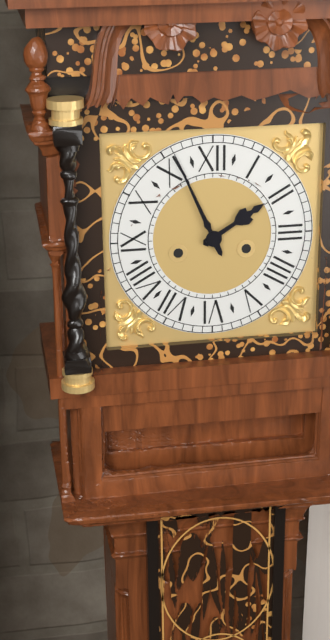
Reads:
1,56
